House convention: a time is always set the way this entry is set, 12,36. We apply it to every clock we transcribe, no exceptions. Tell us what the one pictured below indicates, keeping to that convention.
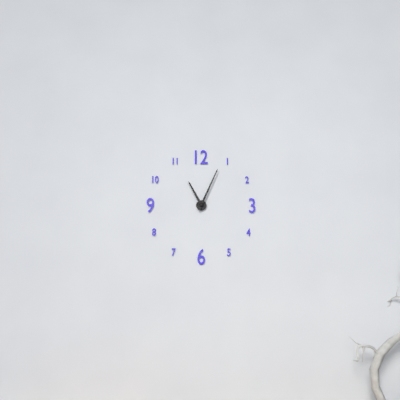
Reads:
11,04
